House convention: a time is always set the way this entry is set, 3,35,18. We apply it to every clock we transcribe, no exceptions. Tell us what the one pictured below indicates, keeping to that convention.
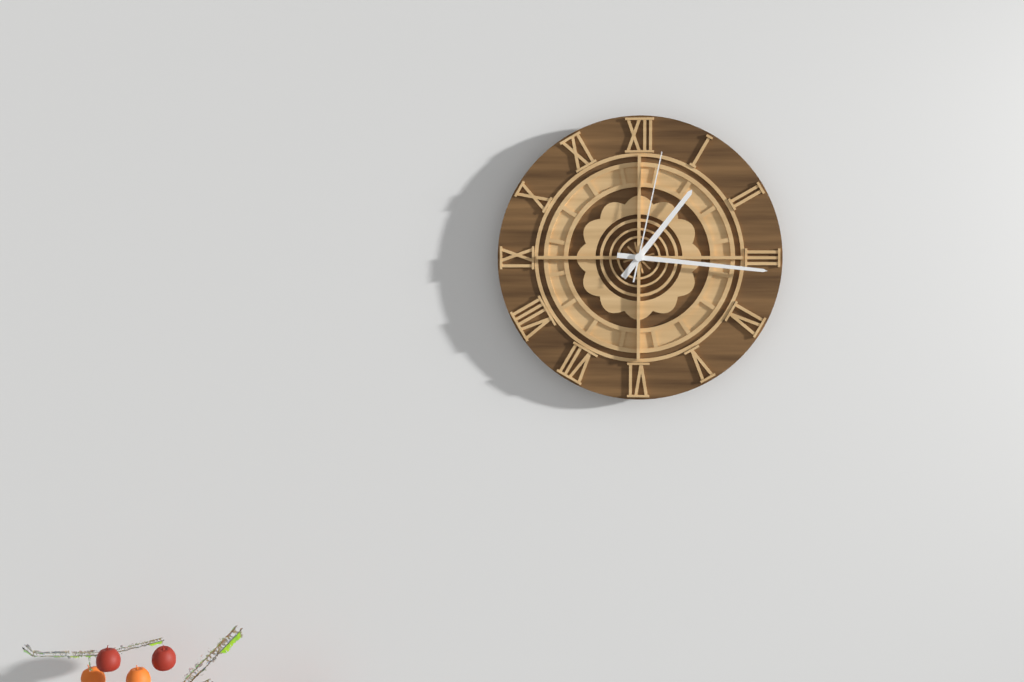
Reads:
1,16,02
